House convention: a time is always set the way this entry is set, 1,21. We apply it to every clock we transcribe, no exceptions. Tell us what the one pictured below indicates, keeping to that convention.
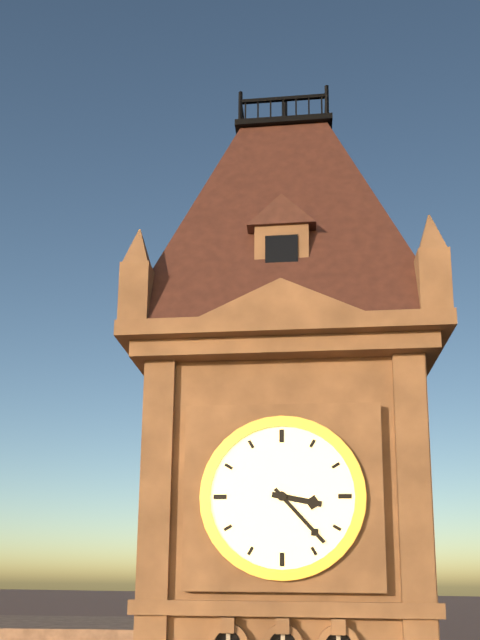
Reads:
3,23
